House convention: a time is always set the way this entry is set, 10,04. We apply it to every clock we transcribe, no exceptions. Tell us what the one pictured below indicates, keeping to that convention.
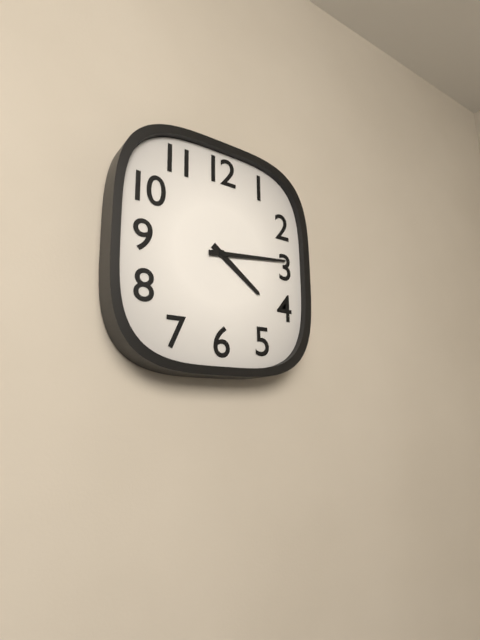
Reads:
4,14
